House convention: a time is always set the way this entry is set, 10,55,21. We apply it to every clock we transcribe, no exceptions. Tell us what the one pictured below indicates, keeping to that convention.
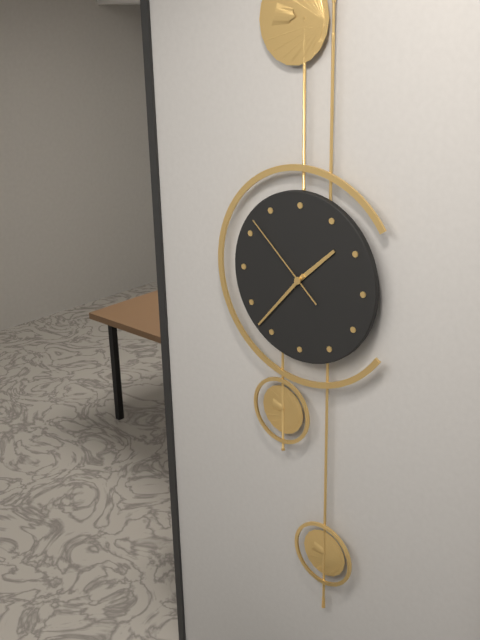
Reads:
1,37,52
